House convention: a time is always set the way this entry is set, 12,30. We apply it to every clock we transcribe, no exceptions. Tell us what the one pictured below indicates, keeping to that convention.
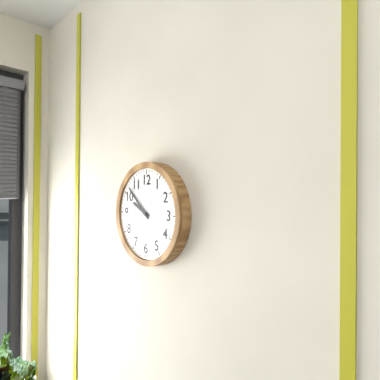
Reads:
9,52
